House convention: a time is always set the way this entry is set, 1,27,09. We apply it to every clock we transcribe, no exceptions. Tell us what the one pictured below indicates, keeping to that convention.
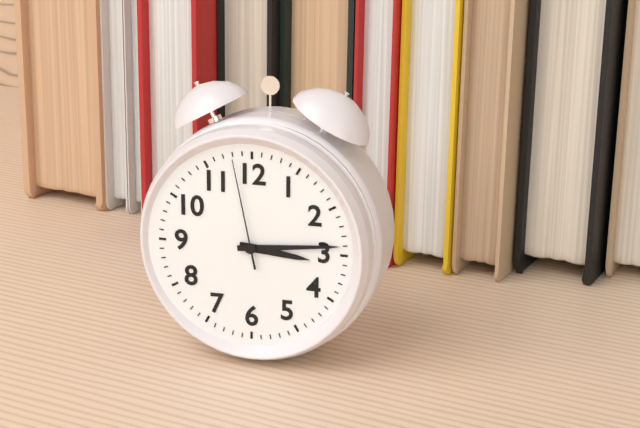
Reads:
3,14,58
